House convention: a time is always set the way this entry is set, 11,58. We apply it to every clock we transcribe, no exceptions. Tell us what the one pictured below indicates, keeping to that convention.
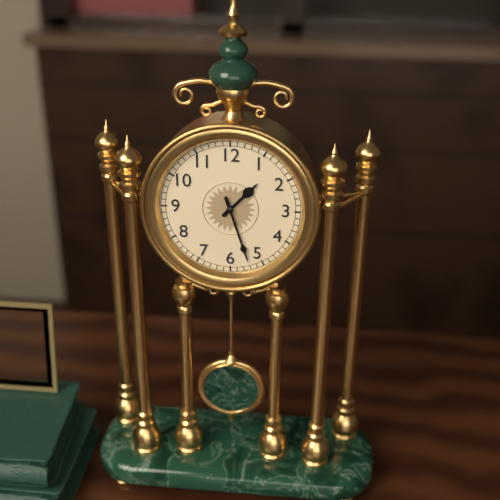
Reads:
1,27
